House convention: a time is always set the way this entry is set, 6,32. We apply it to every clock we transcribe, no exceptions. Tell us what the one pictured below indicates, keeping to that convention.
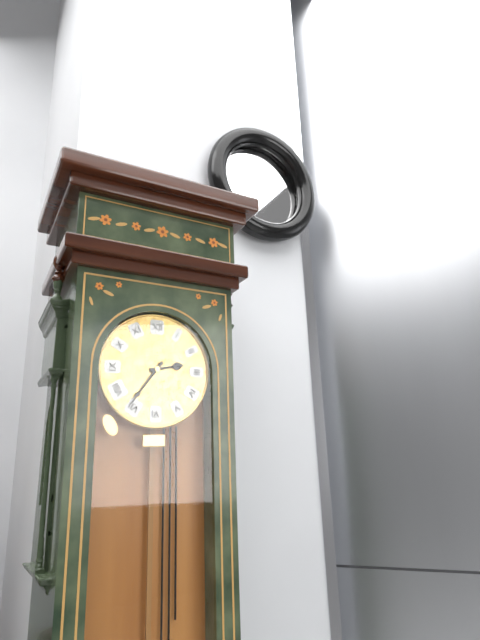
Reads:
2,36
